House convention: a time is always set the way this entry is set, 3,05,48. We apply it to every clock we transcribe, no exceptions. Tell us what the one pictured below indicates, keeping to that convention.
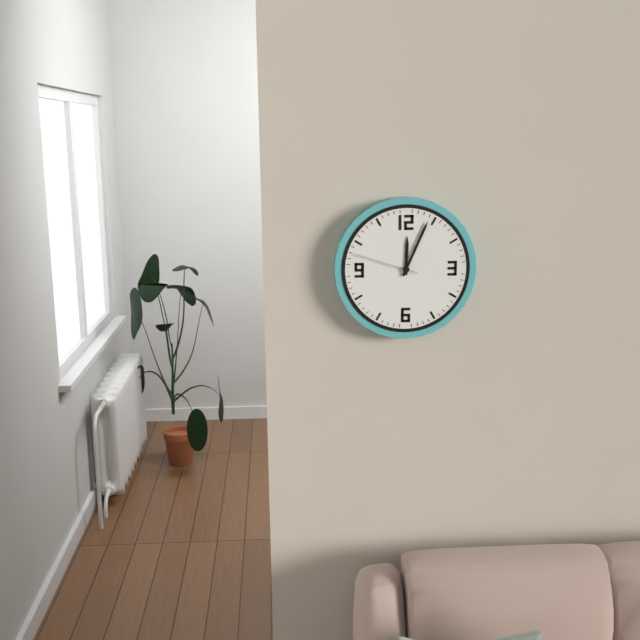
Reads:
12,04,48
